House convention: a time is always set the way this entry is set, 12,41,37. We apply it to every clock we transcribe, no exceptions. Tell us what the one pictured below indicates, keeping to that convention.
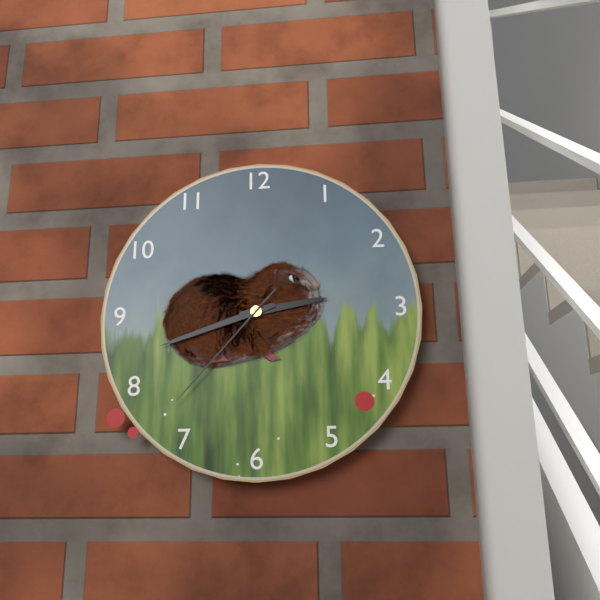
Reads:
2,42,37
